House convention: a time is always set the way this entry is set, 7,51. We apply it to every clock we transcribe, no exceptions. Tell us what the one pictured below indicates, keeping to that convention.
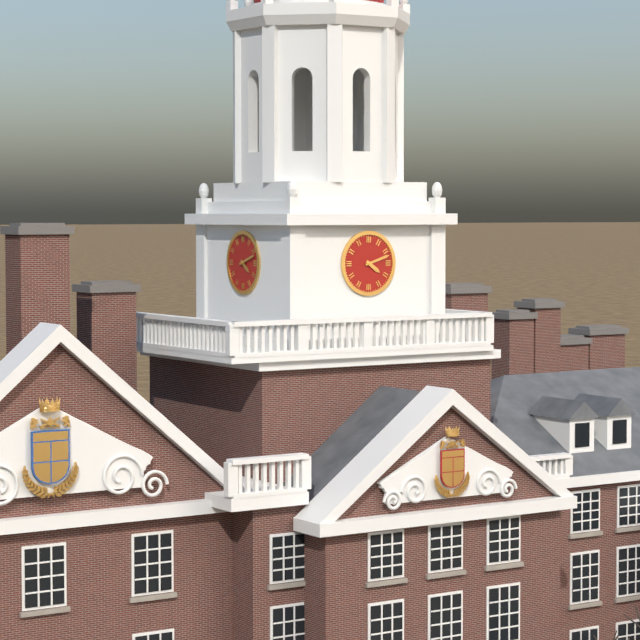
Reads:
4,12
